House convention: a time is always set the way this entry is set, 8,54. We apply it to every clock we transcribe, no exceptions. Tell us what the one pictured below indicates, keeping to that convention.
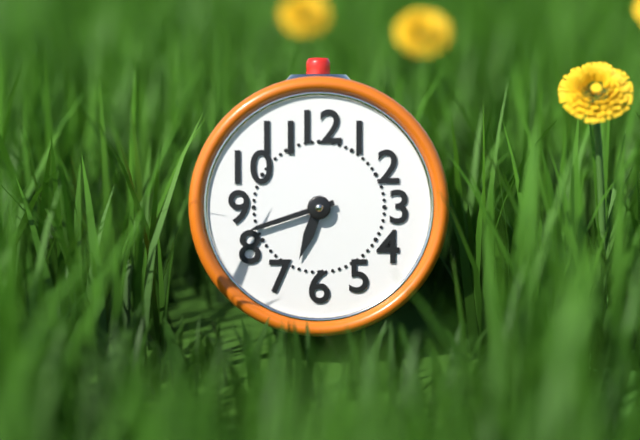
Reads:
6,42
